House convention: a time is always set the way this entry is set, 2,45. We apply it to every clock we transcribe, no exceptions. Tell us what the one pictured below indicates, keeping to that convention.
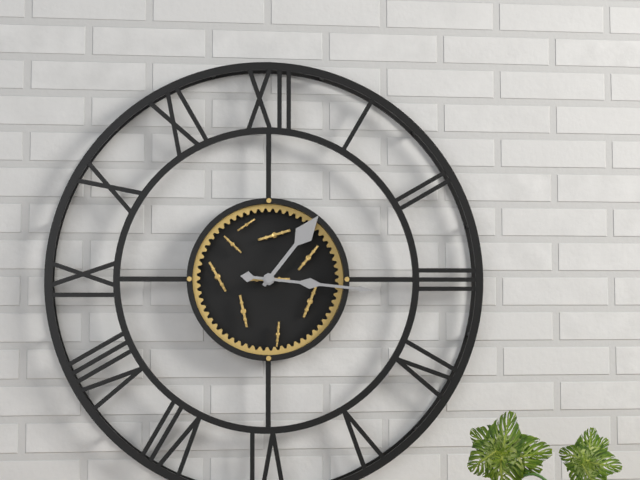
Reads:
1,16
